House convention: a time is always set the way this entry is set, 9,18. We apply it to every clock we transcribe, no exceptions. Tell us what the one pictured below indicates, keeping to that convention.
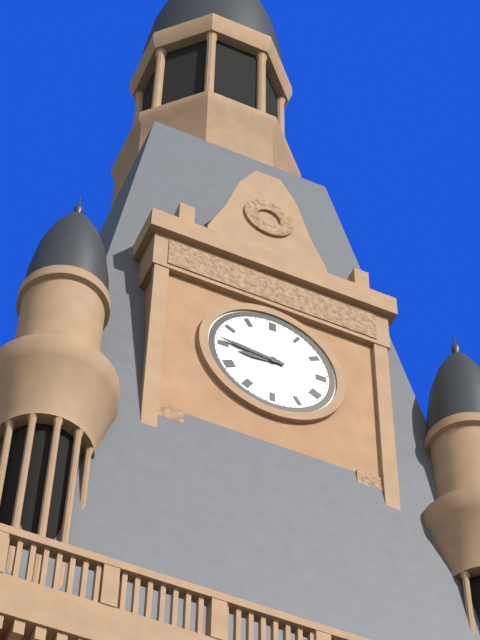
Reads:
8,46
